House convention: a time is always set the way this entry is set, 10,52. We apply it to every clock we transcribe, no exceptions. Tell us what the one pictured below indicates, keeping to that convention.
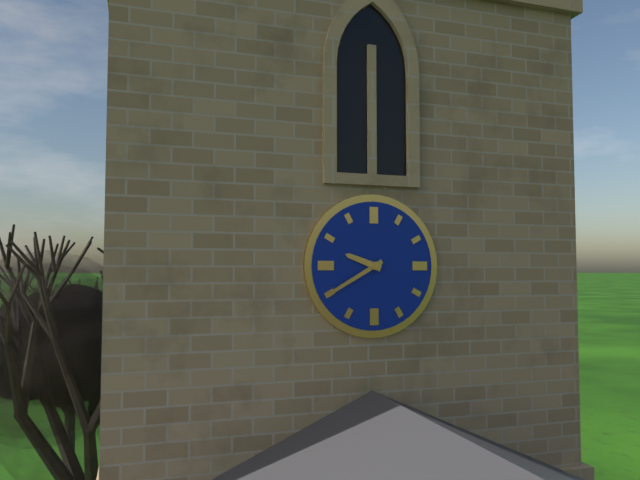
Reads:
9,40
